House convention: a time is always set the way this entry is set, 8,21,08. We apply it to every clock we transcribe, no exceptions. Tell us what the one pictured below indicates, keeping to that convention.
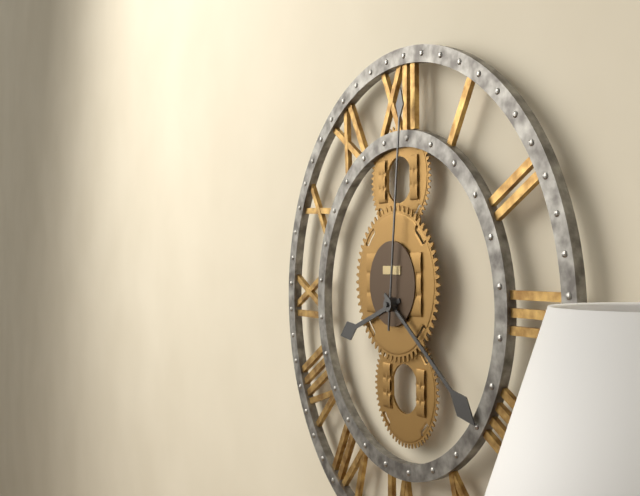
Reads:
8,21,01
